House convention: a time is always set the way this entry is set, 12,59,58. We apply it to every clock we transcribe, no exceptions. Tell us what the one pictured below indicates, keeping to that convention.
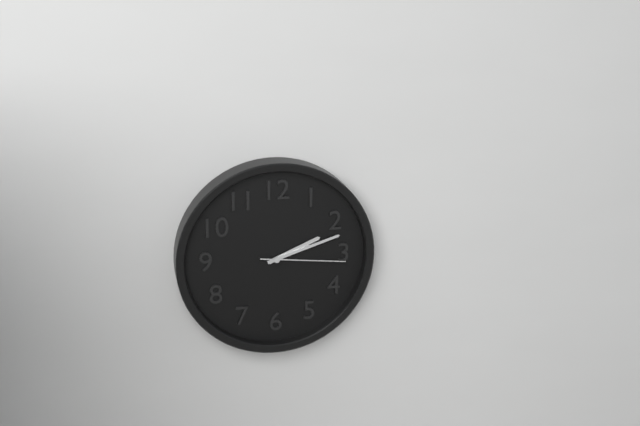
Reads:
2,12,16
